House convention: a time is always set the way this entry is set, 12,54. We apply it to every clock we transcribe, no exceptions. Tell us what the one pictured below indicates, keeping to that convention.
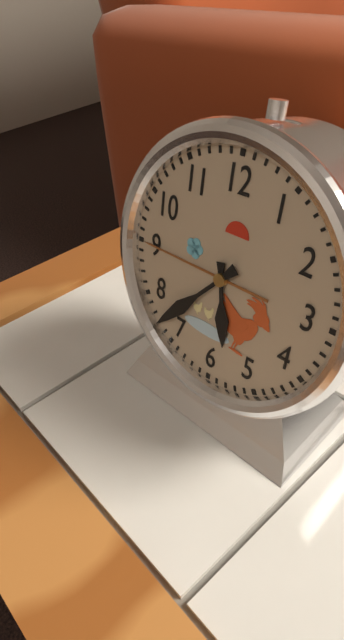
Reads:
5,37
